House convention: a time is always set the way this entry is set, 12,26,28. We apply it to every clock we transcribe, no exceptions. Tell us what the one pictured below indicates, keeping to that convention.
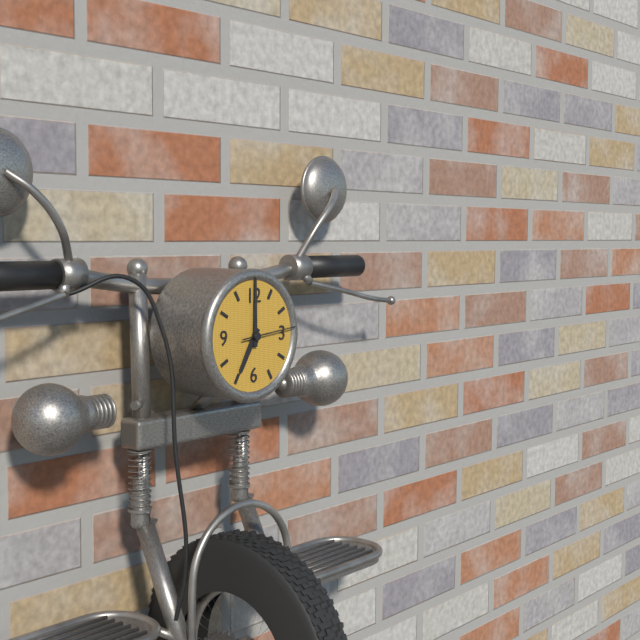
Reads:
7,00,14
